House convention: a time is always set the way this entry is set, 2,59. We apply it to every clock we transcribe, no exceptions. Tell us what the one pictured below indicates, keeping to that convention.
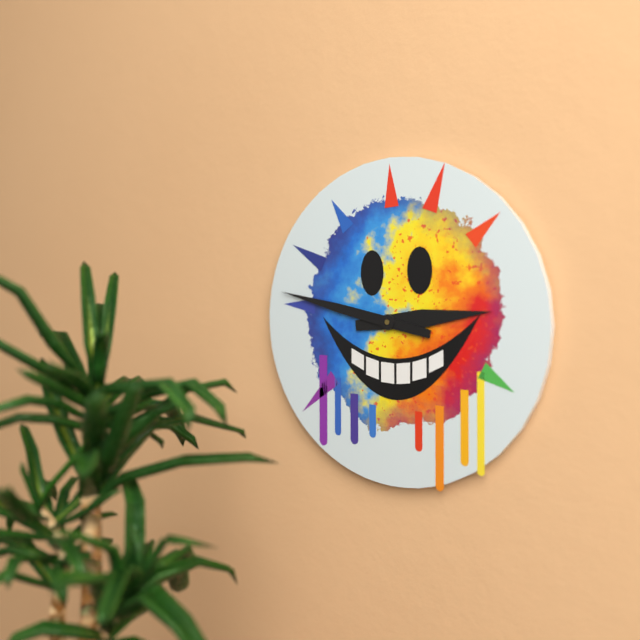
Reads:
2,47
